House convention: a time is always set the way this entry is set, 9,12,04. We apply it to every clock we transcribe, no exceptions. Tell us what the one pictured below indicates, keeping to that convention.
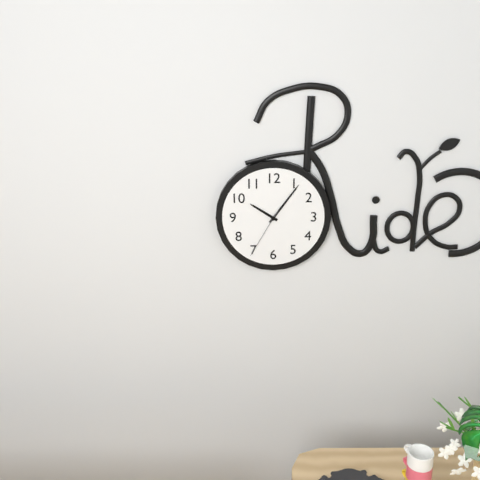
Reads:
10,06,35
